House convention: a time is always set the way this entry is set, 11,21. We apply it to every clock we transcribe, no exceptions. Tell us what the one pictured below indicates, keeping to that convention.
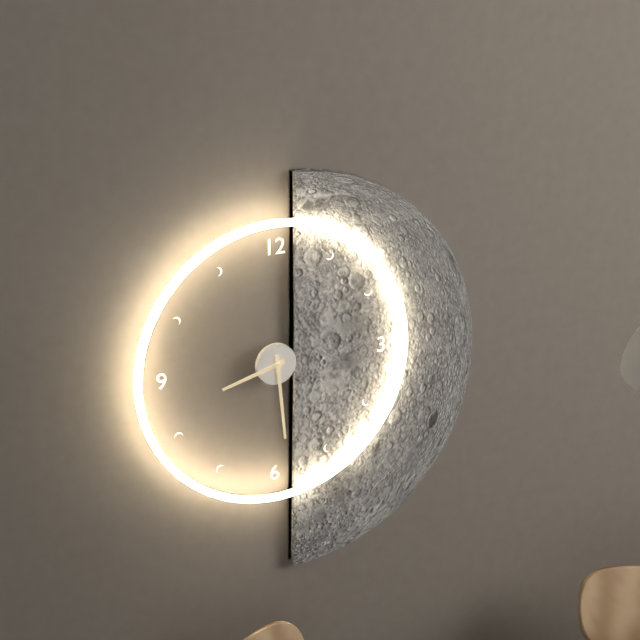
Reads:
8,29
